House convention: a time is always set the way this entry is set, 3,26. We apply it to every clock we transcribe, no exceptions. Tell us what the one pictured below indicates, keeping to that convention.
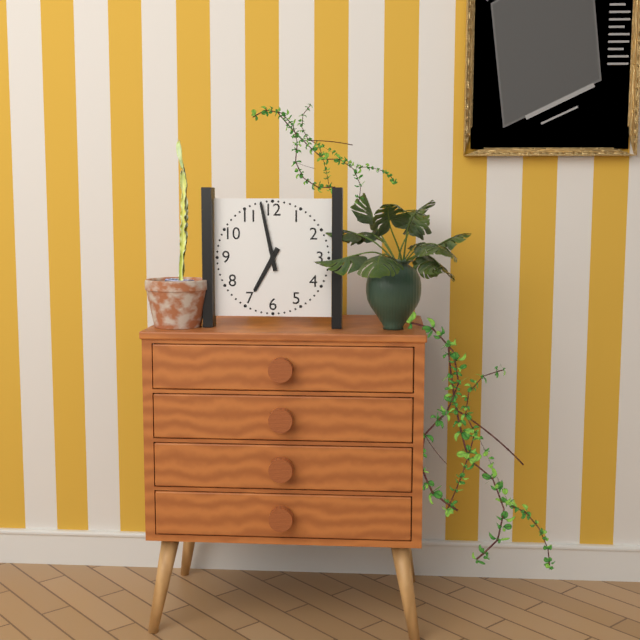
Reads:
6,58
